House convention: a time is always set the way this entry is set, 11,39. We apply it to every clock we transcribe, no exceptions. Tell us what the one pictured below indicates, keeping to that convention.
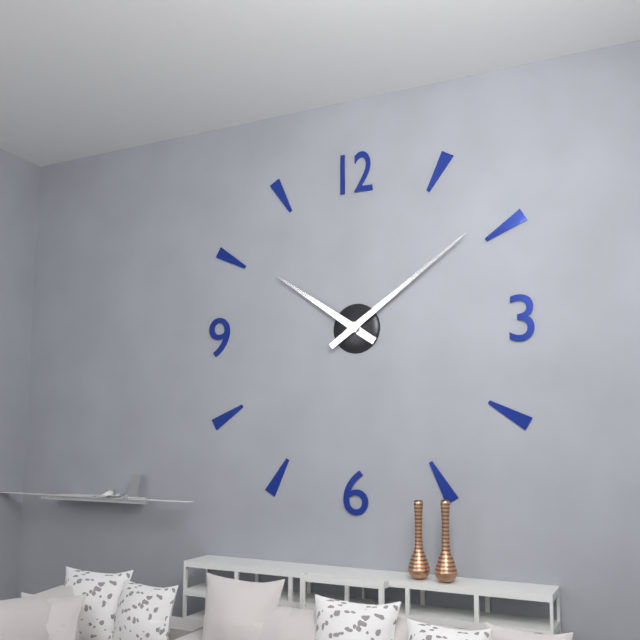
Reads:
10,09
